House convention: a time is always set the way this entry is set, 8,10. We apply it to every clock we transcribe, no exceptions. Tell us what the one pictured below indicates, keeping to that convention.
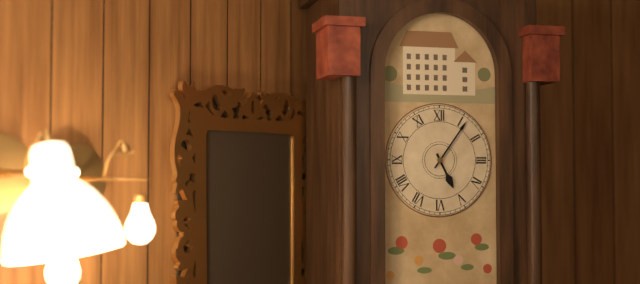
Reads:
5,06
